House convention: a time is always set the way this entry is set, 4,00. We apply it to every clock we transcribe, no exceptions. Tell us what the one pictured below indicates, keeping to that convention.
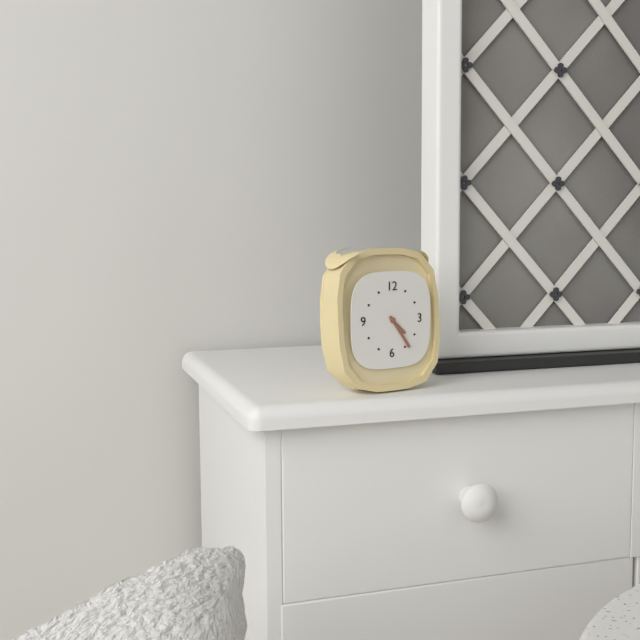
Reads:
4,24
